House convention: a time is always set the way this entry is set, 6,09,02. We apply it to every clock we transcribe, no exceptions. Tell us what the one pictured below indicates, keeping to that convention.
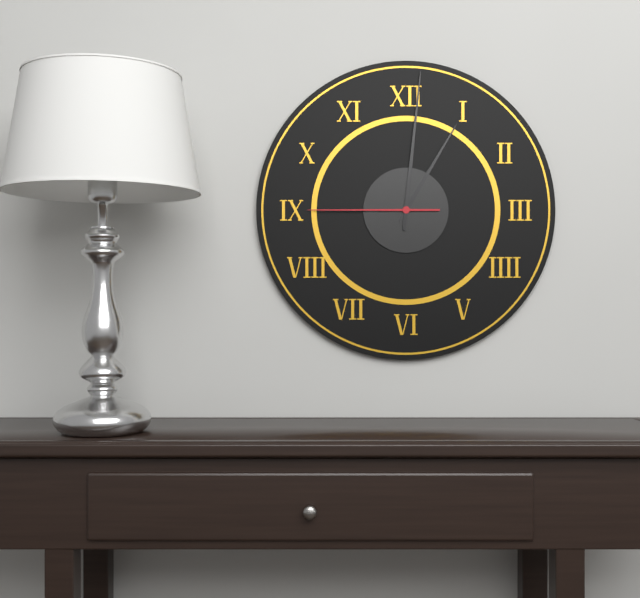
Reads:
1,01,45
